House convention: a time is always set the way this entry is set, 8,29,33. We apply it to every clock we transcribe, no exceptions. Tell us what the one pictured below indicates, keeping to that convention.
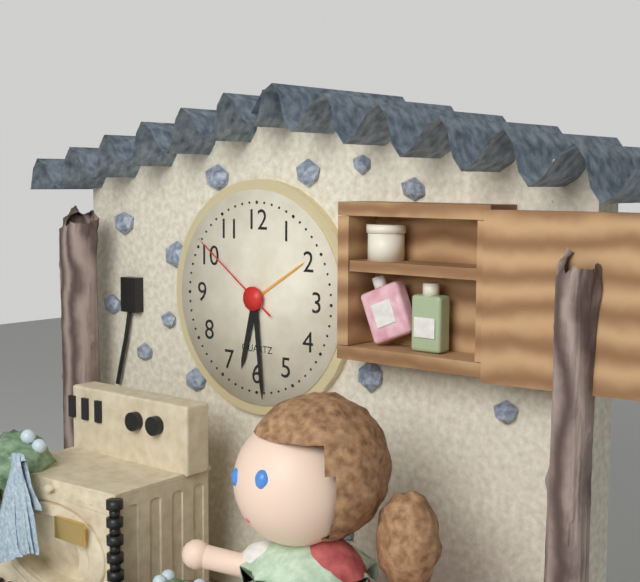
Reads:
6,29,51
